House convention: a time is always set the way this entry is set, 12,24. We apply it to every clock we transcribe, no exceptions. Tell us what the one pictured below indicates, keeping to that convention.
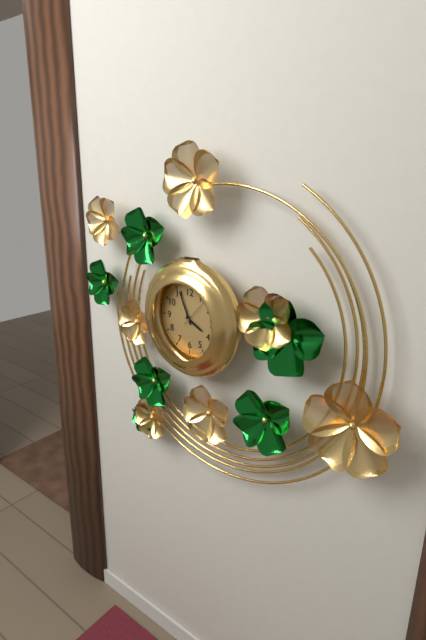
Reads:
3,56
